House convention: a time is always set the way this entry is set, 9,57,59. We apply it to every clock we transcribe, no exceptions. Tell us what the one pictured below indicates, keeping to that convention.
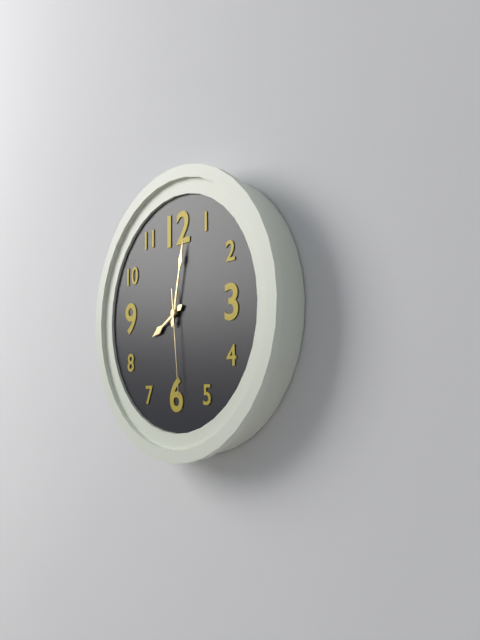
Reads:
8,02,29
